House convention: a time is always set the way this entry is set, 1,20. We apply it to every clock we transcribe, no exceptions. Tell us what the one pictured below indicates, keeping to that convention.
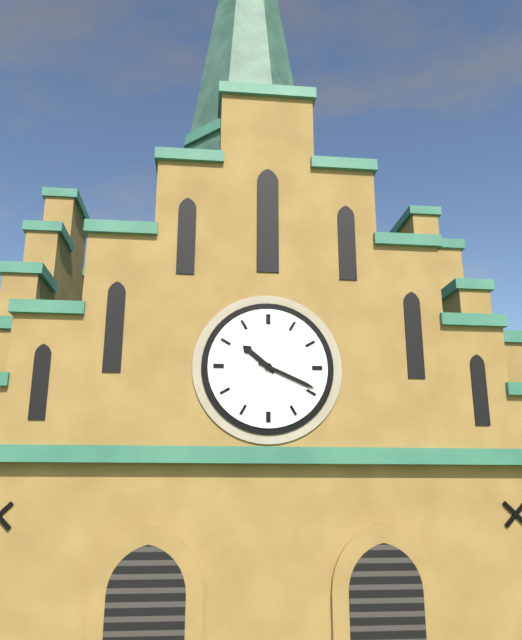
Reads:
10,19
